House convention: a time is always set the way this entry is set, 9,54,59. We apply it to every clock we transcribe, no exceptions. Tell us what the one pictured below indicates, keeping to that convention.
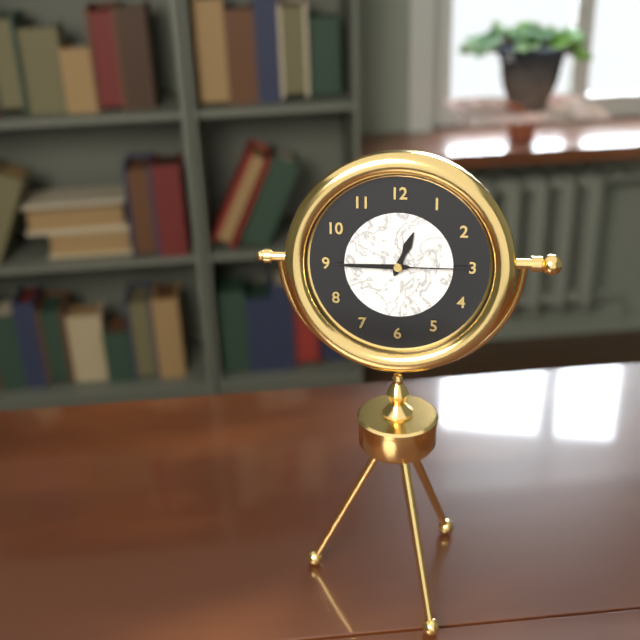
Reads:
12,45,15
